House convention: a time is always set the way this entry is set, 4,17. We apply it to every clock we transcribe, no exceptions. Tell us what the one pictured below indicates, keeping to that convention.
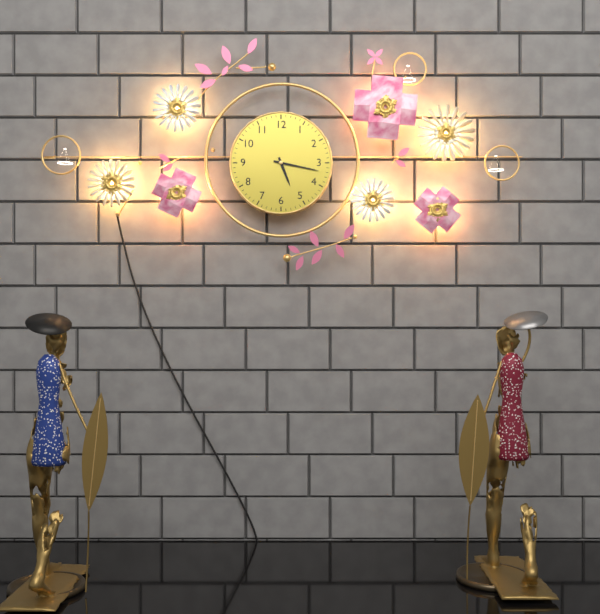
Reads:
5,17
